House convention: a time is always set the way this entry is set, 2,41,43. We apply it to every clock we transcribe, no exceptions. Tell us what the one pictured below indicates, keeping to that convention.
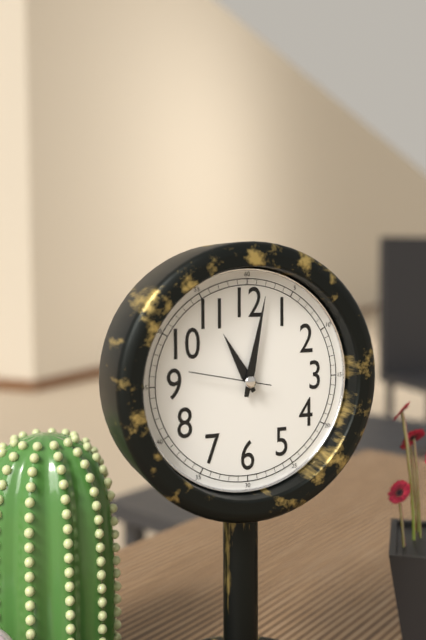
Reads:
11,02,47
